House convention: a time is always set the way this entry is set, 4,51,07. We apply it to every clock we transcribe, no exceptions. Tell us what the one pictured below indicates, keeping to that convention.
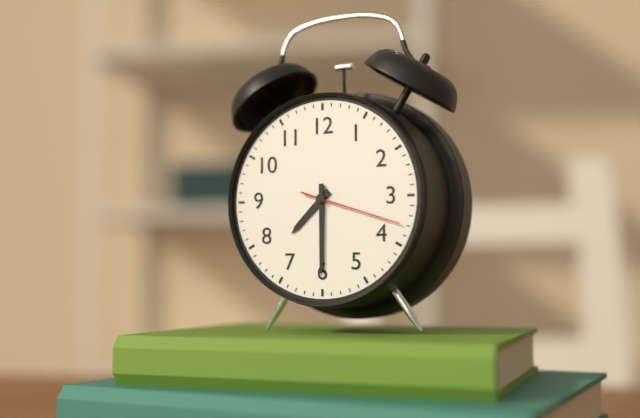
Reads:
7,30,18
